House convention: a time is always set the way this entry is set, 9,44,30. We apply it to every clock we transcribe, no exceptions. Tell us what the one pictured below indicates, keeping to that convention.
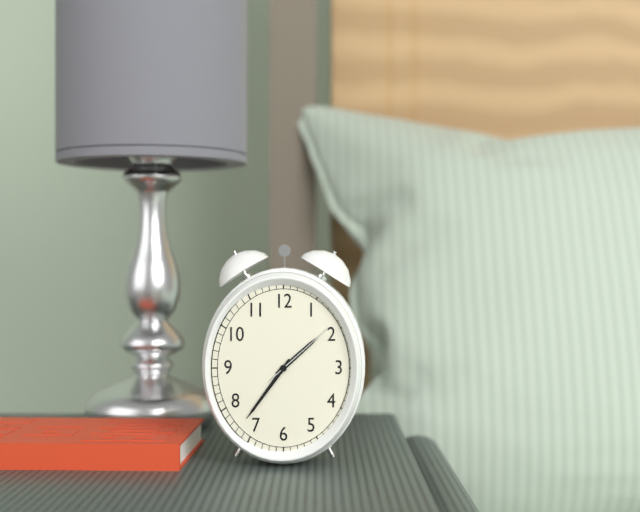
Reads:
1,36,08
